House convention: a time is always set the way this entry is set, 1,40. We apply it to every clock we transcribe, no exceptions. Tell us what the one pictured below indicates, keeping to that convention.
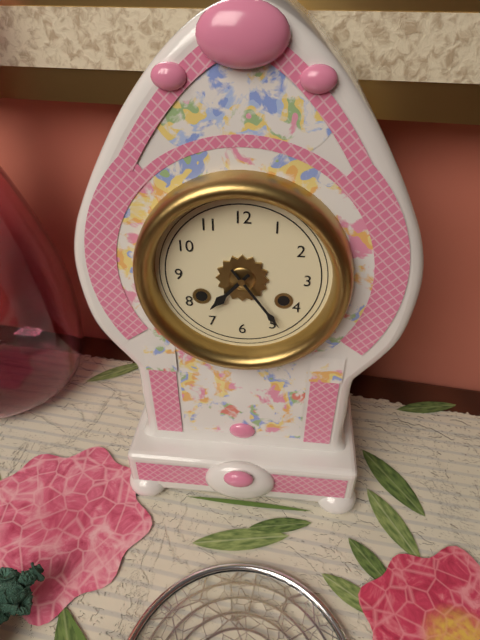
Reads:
7,24
